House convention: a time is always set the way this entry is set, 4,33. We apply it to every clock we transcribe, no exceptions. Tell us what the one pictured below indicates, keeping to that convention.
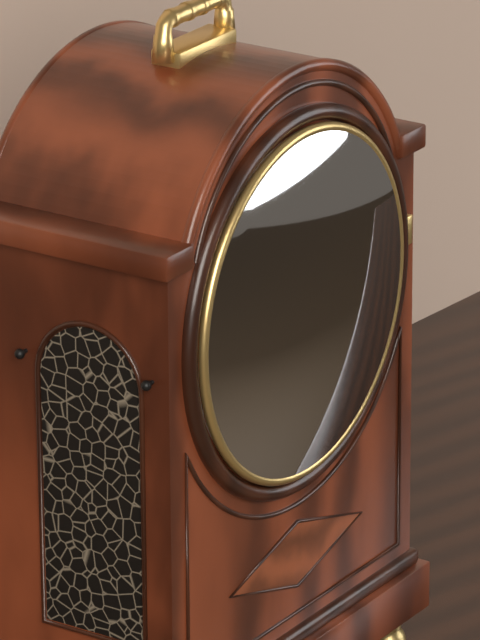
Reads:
2,31
